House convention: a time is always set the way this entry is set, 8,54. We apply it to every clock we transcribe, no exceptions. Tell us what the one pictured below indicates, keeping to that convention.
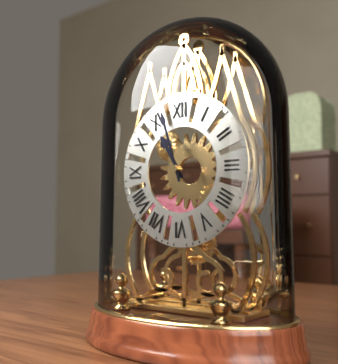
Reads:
10,57
